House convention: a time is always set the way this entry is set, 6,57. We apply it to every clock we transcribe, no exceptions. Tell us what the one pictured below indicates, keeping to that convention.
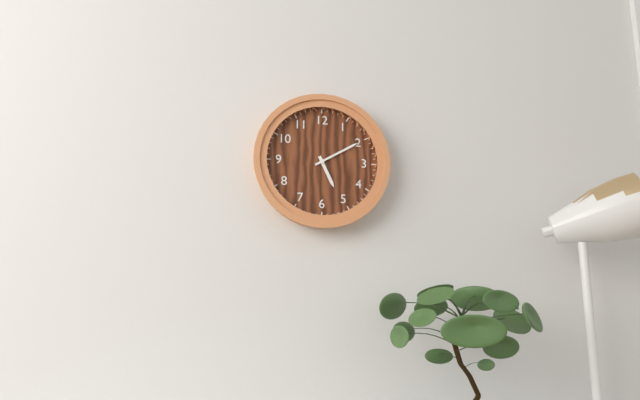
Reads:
5,10
